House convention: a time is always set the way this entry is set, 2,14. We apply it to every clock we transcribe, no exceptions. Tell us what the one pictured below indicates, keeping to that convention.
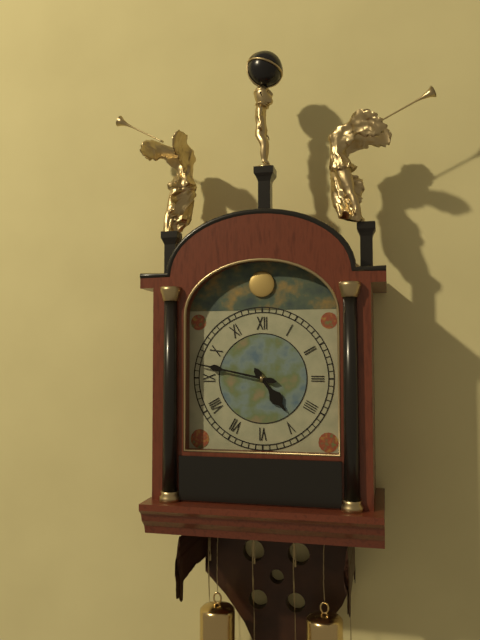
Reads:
4,47
